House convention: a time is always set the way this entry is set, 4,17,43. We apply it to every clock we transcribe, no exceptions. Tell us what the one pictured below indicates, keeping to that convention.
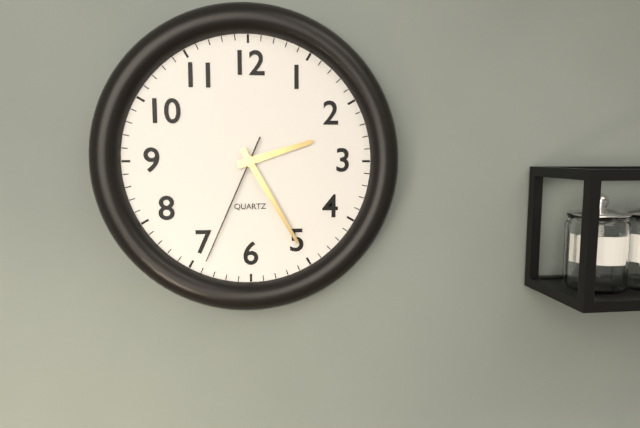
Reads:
2,25,34
